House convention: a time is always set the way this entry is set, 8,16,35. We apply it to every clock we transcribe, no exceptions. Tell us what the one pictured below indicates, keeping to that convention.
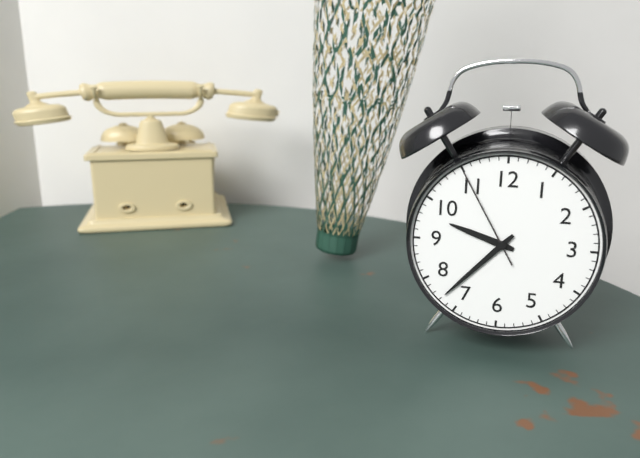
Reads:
9,37,55
